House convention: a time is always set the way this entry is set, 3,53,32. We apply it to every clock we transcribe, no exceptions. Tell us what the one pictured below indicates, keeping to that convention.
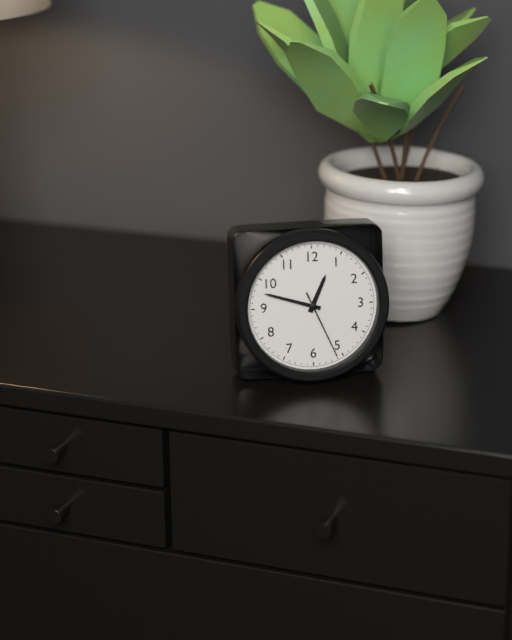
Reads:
12,48,26
